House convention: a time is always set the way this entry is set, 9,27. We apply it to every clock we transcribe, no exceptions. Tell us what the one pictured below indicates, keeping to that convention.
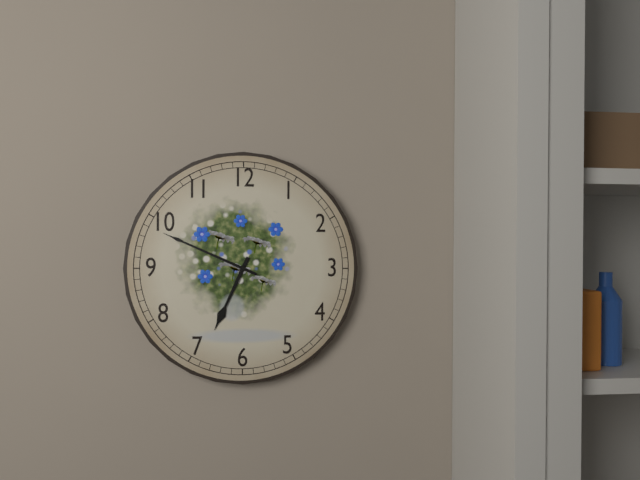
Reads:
6,49
